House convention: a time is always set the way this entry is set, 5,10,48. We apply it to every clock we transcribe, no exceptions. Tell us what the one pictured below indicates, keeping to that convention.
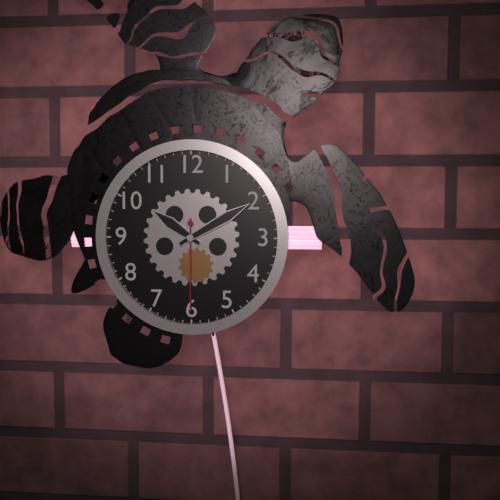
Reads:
10,10,30
